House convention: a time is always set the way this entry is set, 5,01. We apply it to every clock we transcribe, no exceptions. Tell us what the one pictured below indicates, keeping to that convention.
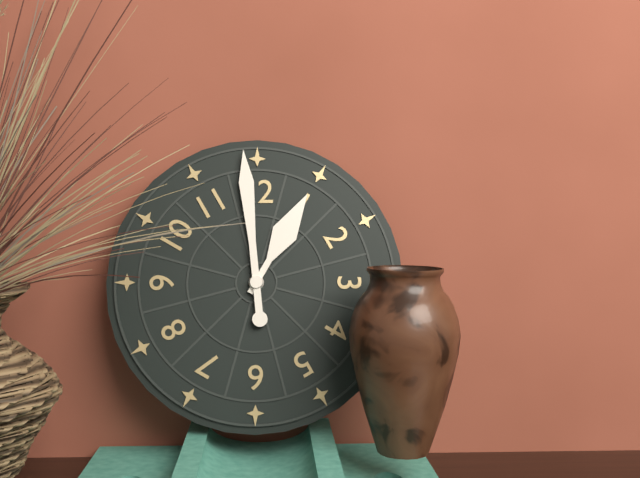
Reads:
12,59
